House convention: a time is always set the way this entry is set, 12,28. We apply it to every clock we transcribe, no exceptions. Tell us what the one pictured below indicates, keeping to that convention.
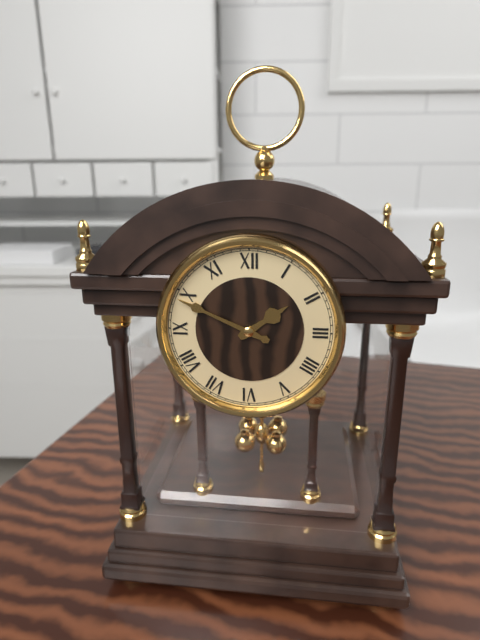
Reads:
1,49
